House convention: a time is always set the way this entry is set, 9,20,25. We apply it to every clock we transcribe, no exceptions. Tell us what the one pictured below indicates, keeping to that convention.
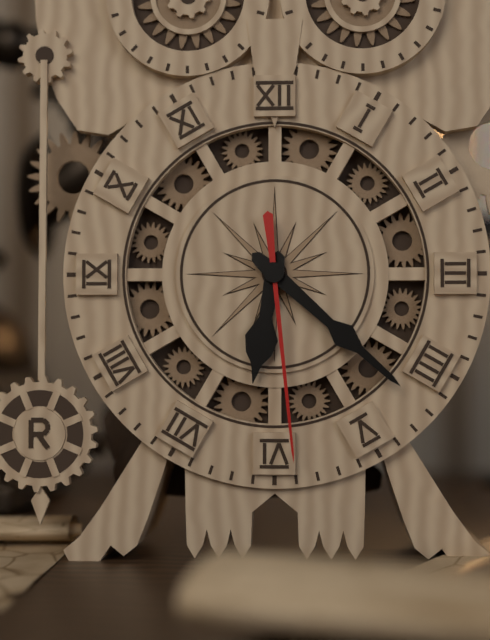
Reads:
6,22,29
